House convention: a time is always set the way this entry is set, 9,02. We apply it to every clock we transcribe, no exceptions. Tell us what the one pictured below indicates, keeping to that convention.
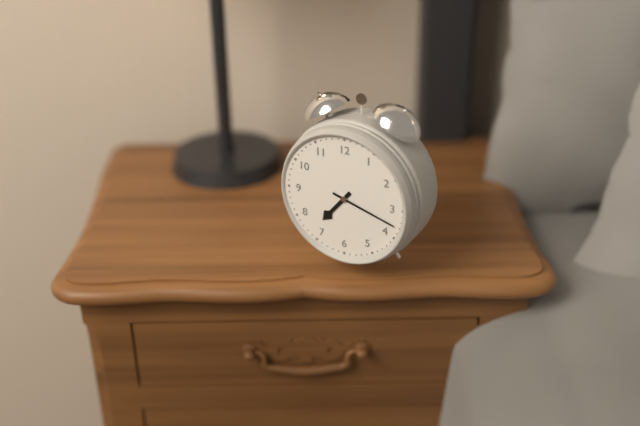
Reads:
7,18
